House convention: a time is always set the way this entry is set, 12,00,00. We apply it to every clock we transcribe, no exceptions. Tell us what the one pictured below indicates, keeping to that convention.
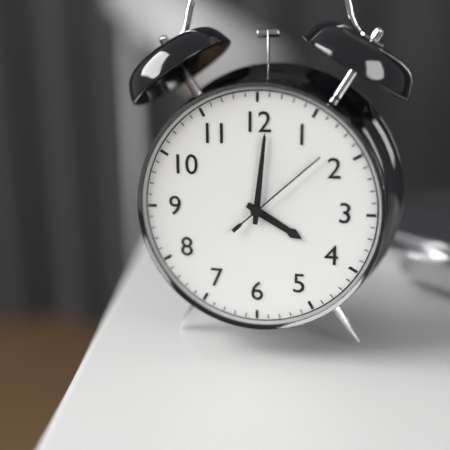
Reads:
4,01,08
